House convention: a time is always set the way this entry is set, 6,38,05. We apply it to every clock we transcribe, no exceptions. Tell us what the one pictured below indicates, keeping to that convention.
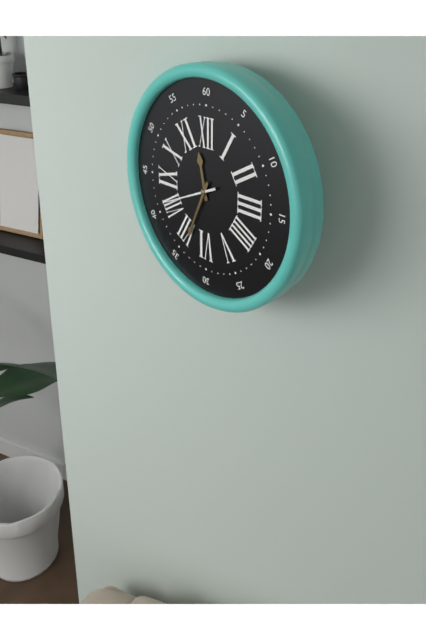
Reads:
11,34,41
